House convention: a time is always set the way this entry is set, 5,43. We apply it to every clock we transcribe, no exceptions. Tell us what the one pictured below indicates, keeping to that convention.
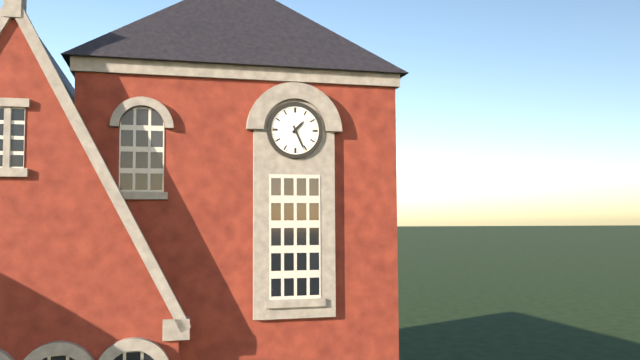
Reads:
1,26
